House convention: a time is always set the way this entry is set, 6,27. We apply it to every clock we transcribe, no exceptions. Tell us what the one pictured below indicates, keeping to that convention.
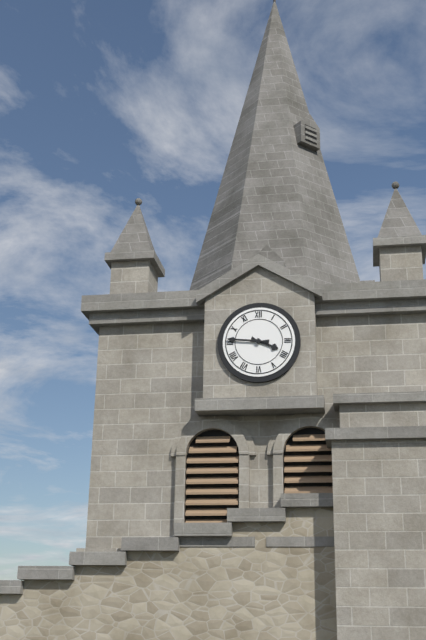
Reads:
3,46
